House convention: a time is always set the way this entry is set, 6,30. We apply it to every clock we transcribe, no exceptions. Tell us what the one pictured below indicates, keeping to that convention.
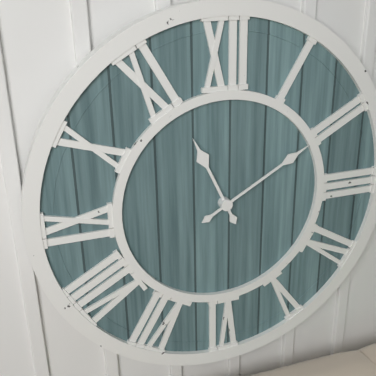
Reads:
11,10
